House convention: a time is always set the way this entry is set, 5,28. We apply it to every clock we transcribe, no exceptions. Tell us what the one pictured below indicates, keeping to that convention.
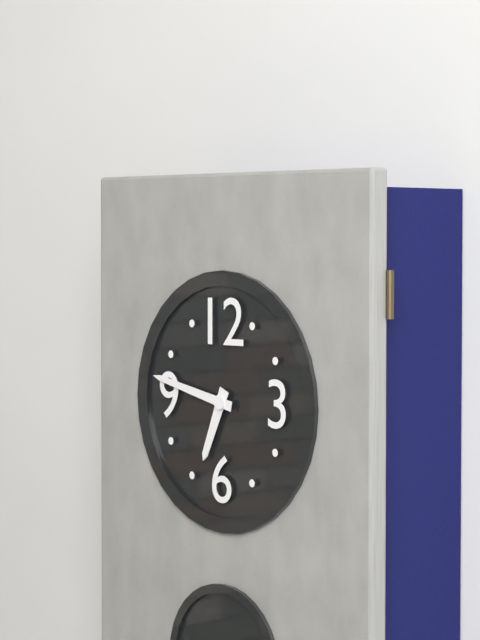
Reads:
6,47
